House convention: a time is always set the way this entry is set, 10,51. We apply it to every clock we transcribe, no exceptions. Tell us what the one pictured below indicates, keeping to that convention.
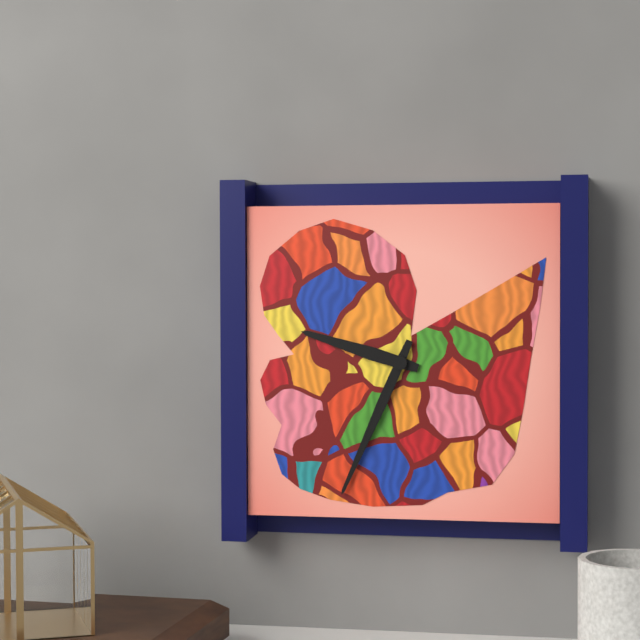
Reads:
9,34
